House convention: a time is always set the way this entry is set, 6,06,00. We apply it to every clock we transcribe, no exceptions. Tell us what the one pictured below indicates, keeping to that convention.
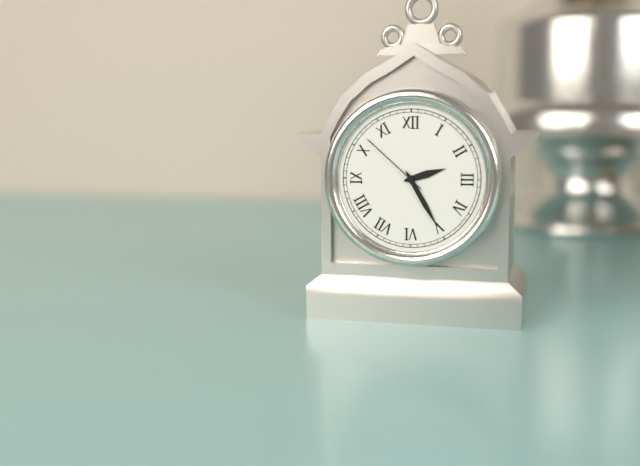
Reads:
2,25,52
